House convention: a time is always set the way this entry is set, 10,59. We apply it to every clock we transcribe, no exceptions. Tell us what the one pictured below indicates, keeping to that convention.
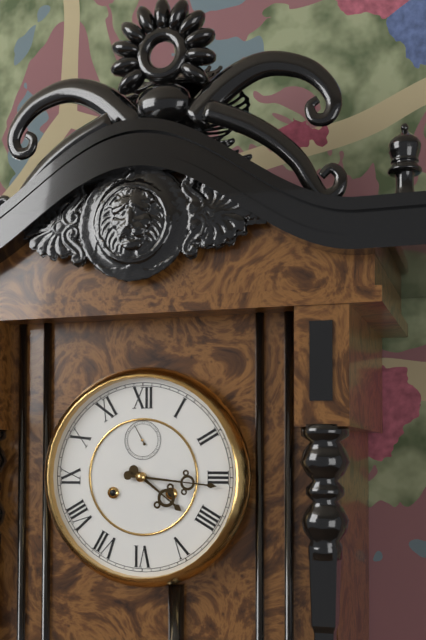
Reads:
4,16
